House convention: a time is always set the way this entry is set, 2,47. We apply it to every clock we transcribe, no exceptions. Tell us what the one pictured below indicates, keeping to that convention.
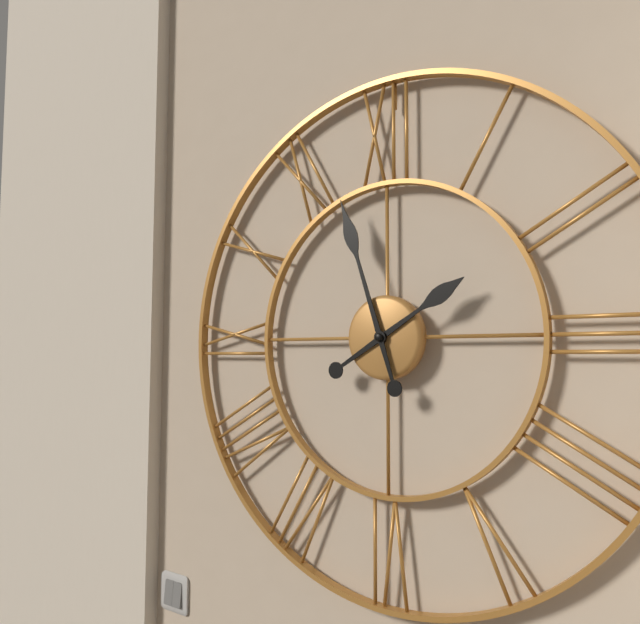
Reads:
1,57
